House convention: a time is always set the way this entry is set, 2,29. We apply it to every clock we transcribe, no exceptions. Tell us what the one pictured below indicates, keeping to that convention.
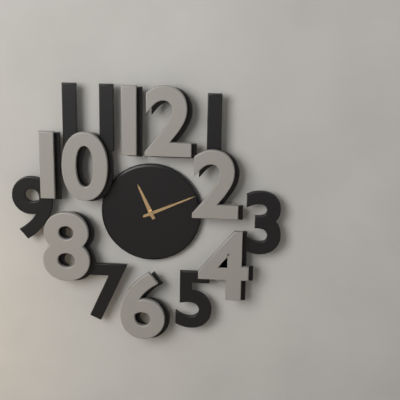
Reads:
11,11
